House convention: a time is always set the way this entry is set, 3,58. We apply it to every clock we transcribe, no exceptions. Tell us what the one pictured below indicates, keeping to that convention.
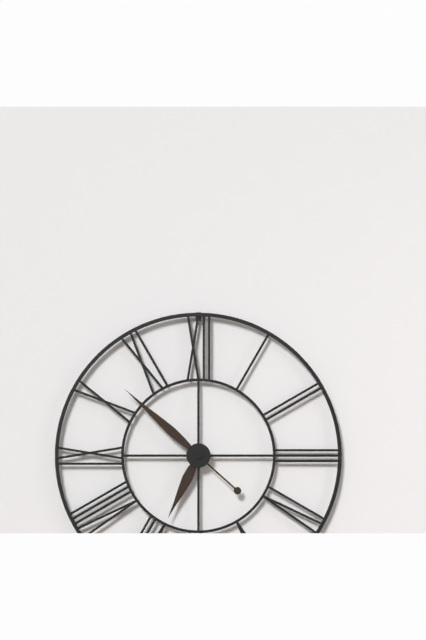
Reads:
6,52
